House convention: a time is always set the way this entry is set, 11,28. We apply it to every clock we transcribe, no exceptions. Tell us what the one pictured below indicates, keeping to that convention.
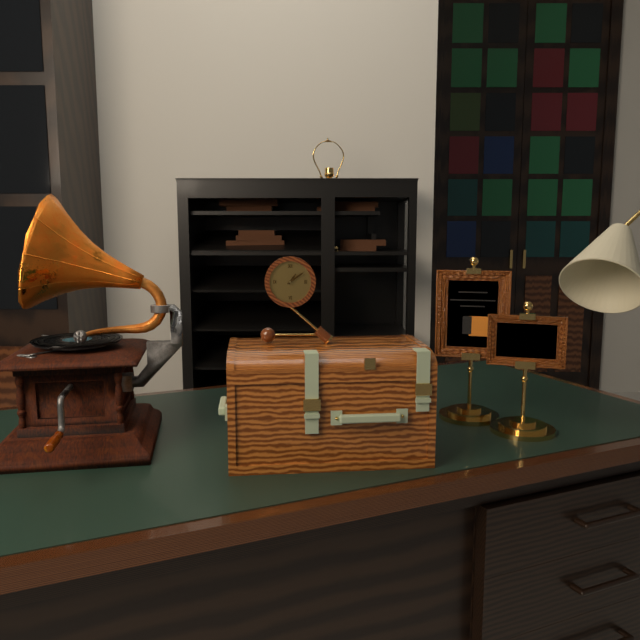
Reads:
1,09
